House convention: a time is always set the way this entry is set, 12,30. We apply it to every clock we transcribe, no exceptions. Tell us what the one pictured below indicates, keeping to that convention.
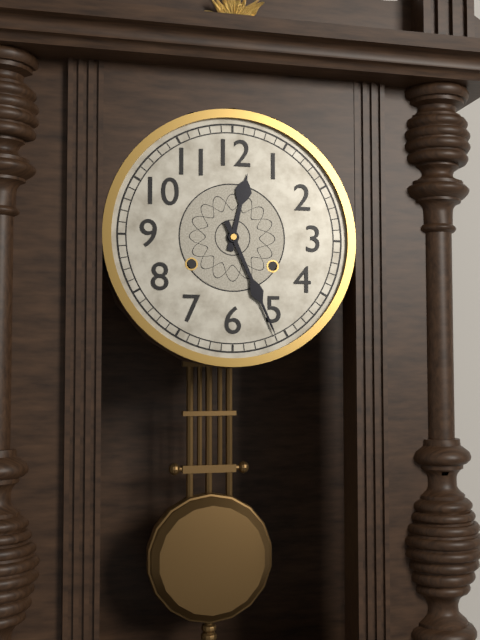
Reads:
12,26
